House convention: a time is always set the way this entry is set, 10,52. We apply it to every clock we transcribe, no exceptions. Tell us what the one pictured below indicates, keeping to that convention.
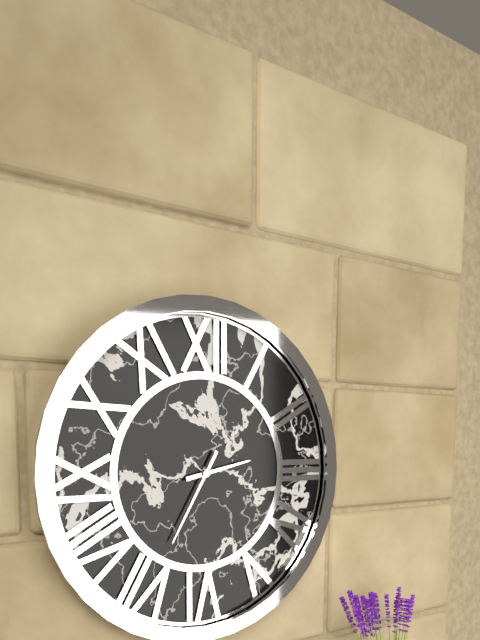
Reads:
2,35
